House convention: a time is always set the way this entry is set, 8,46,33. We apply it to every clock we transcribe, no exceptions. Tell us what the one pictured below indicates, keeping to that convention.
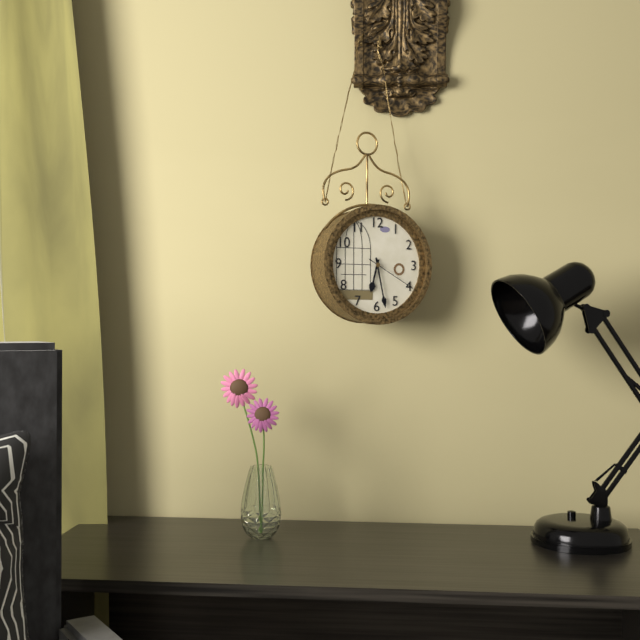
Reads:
6,28,20
